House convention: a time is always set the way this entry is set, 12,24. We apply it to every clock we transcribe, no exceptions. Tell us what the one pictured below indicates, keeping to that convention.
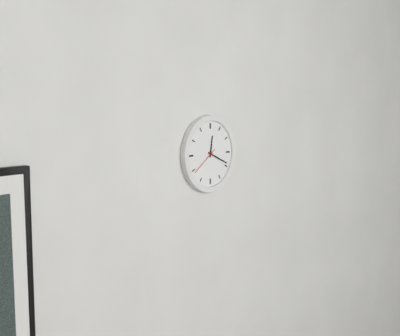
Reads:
12,19
